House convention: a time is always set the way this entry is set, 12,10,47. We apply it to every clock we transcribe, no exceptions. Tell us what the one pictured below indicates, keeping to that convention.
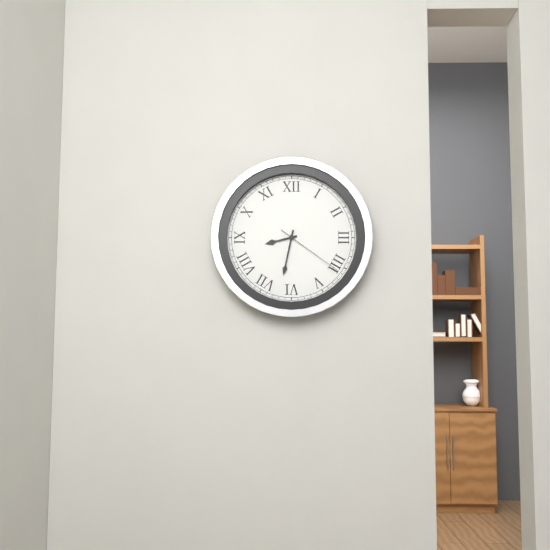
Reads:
8,32,21
